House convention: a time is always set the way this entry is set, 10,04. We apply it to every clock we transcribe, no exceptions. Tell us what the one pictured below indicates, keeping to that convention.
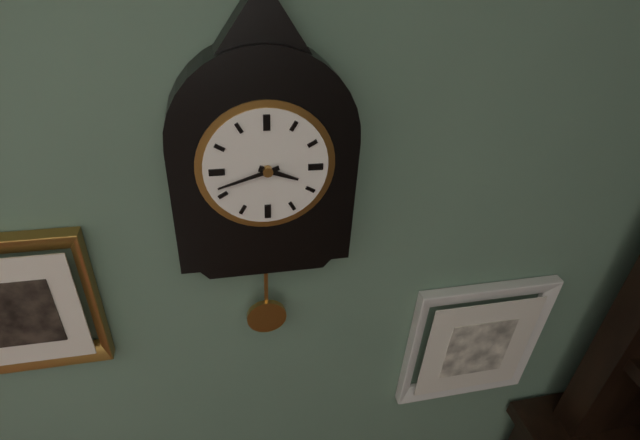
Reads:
3,42
